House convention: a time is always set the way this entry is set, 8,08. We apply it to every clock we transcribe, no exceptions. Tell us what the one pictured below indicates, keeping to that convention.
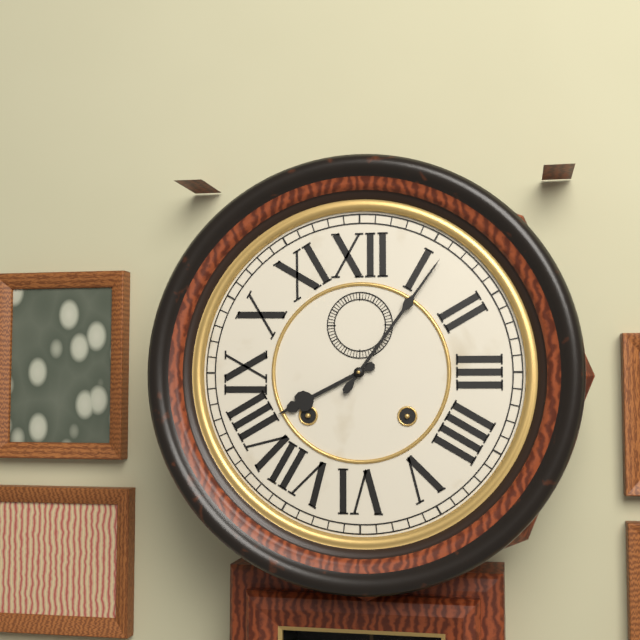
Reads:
8,06
